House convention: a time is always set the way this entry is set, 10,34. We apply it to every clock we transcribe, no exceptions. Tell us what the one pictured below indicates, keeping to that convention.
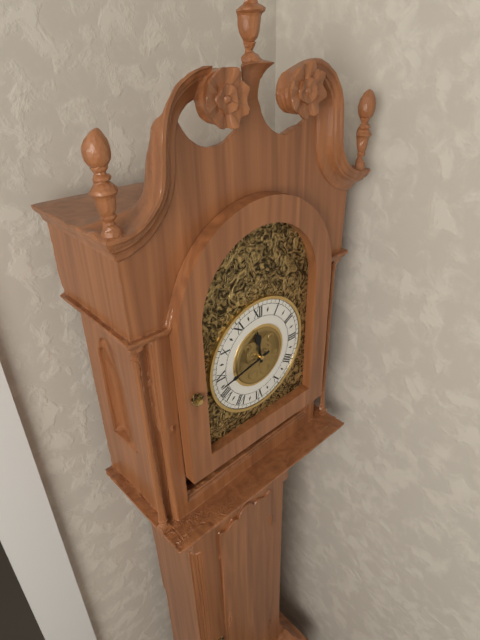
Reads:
11,43
